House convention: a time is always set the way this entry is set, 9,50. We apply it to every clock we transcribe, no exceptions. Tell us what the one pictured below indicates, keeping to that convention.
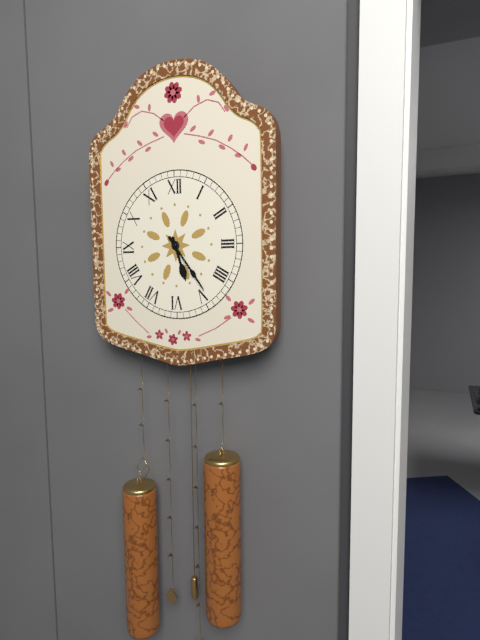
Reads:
5,24
